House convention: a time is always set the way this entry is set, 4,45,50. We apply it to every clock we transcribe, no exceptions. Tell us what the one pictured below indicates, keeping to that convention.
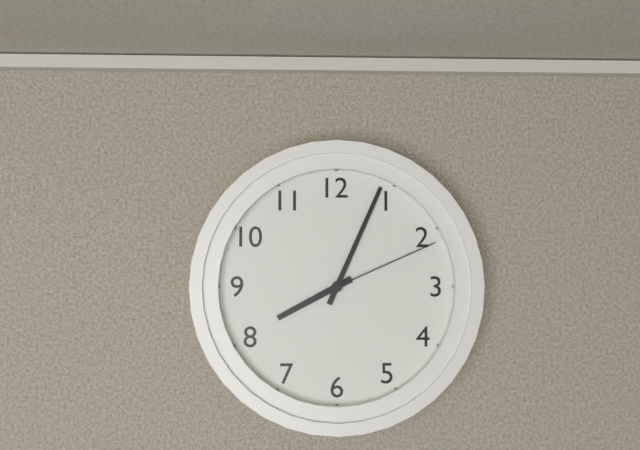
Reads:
8,04,11
